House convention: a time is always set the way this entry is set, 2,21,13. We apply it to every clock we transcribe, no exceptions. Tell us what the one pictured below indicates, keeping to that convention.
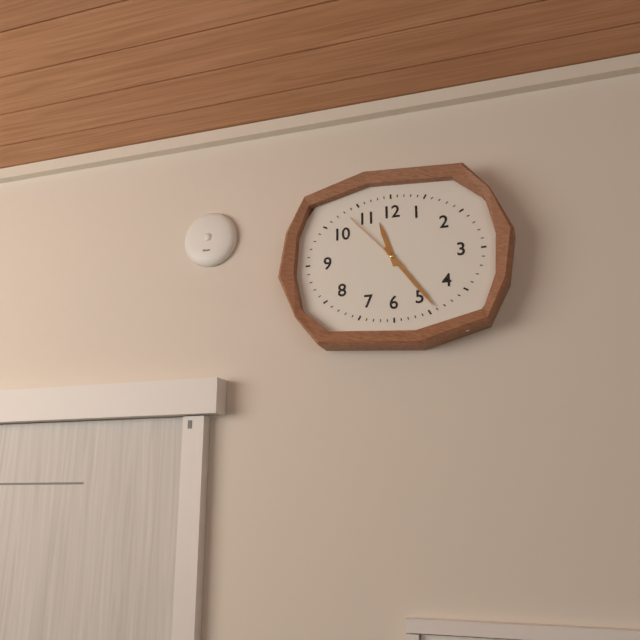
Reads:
11,24,53
